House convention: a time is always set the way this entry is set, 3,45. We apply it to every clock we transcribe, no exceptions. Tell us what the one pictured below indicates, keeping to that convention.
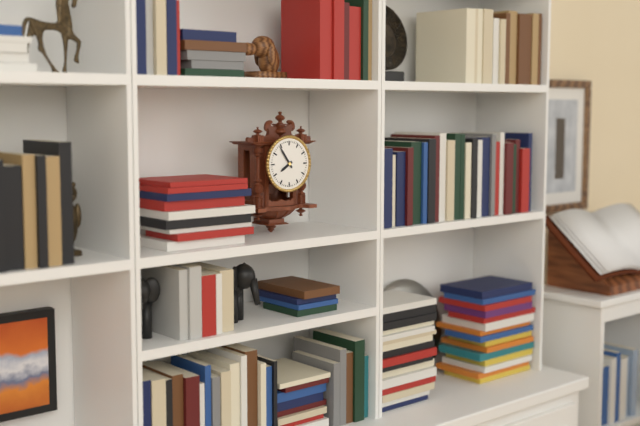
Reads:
7,54
